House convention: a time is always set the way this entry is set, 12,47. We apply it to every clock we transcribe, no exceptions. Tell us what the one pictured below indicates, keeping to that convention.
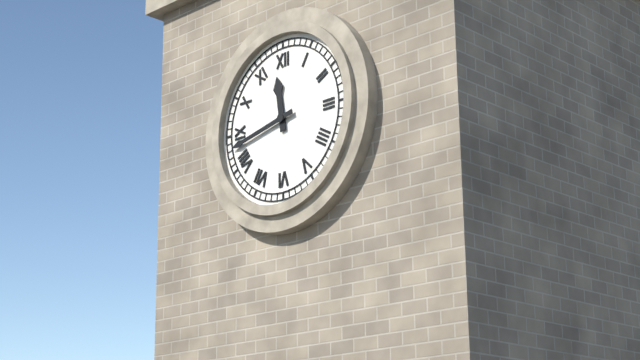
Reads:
11,43
